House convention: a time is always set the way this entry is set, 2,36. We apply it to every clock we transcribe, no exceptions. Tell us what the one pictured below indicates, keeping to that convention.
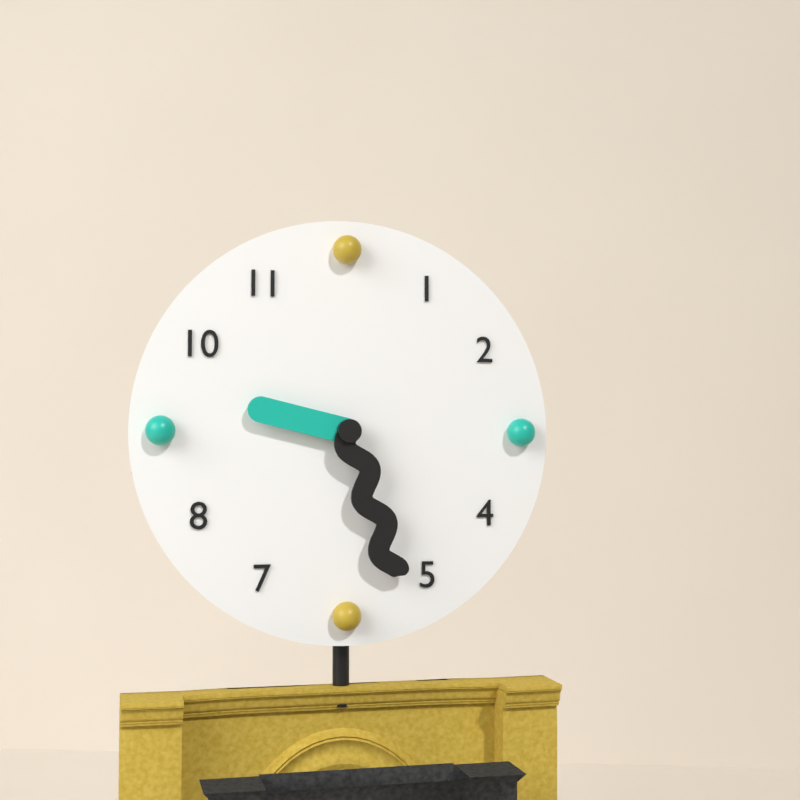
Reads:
9,27
